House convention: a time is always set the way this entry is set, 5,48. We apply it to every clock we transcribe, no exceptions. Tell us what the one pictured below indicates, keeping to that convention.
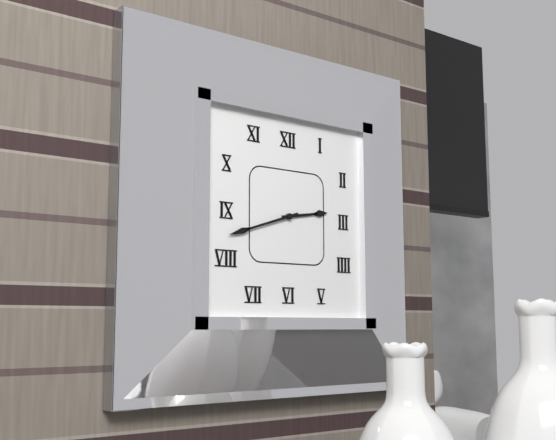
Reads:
2,42
